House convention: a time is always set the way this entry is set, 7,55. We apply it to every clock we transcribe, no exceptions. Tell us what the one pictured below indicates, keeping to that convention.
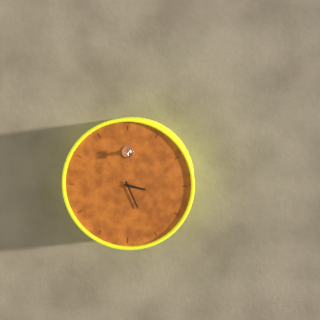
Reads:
3,26
